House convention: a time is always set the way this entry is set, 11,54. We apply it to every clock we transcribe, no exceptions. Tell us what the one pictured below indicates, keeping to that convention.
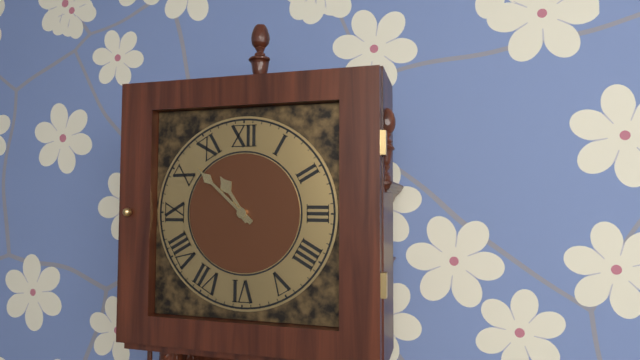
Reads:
10,52
